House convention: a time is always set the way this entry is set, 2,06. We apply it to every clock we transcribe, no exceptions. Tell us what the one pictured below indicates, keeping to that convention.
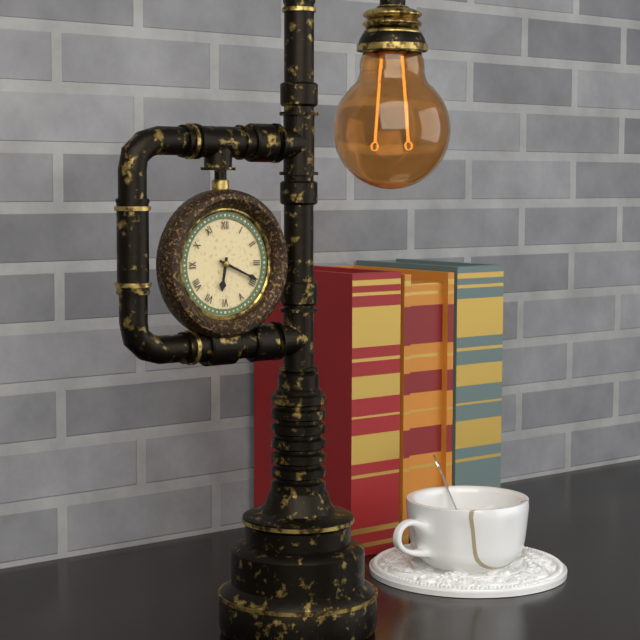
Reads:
6,19
